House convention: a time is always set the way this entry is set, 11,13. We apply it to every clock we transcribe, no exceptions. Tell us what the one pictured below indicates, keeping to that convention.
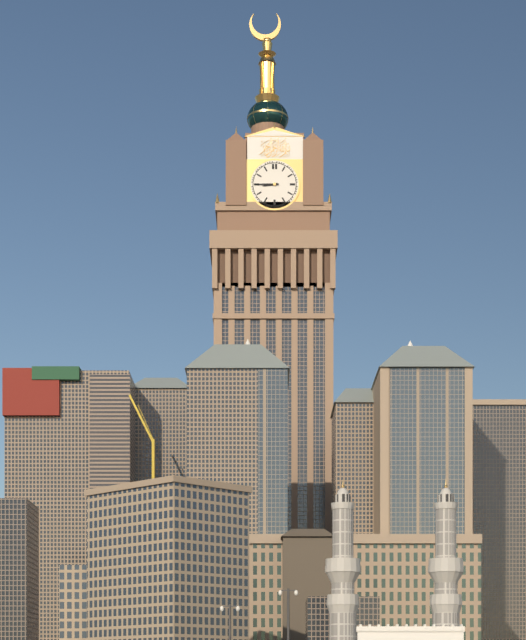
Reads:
8,45
